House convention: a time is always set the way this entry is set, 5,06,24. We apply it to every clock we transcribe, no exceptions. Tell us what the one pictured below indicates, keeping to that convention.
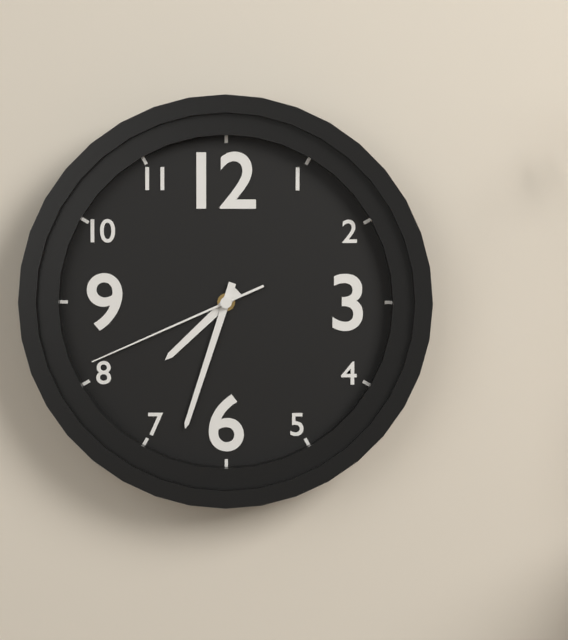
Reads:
7,33,41
